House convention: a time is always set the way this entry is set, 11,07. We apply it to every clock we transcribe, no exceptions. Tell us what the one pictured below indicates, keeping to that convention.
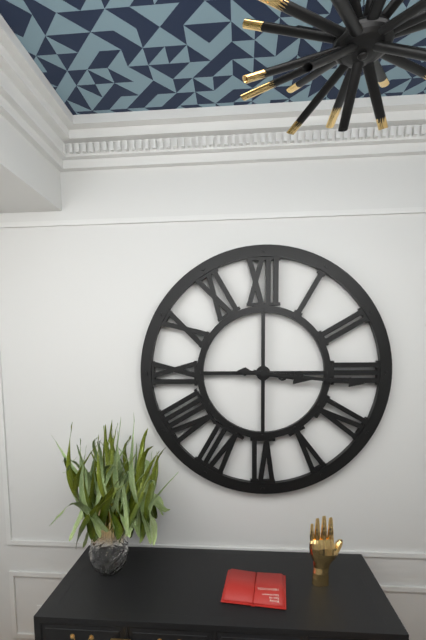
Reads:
3,16
